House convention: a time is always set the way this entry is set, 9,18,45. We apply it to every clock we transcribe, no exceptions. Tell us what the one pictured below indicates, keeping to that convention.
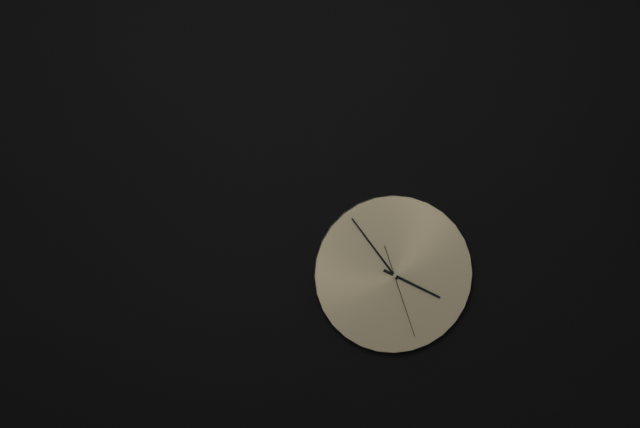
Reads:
3,54,27
